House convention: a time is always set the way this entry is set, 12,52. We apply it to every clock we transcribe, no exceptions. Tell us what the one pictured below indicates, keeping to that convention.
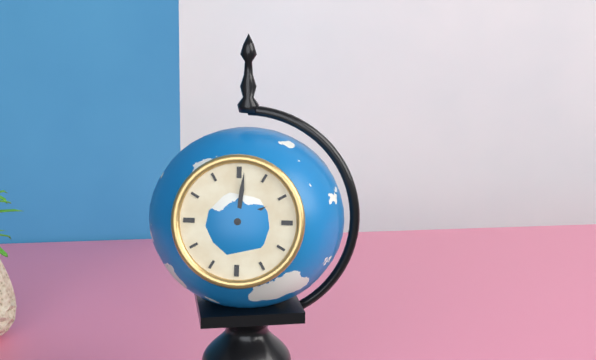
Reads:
2,01
